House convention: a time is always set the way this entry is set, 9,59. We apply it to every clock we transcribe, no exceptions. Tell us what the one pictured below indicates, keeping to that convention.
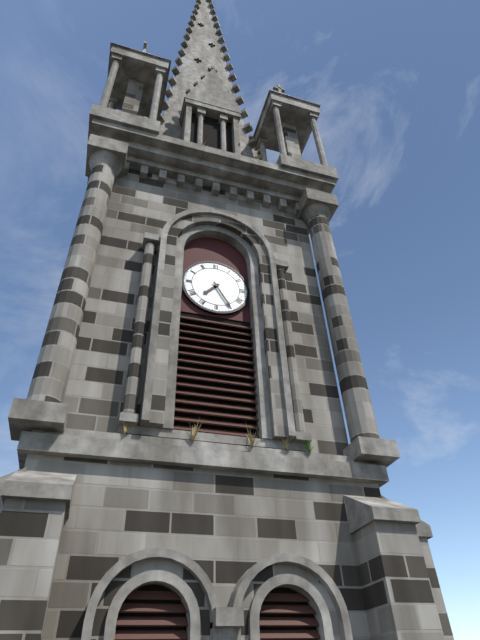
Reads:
7,25
